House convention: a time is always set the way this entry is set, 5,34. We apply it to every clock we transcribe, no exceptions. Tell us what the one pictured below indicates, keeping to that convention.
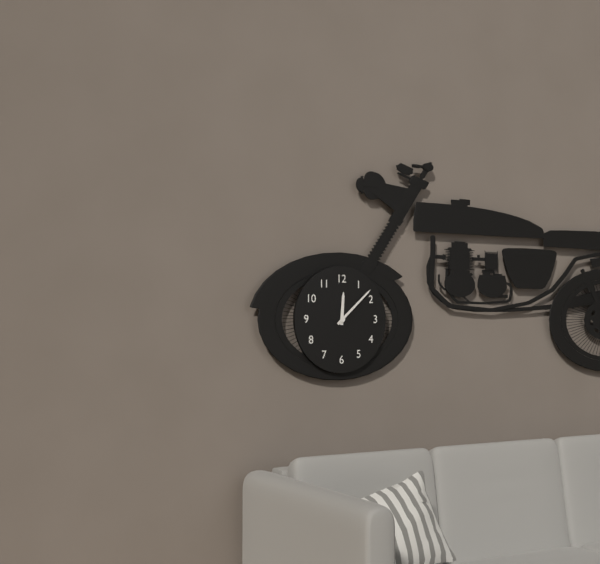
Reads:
12,08
